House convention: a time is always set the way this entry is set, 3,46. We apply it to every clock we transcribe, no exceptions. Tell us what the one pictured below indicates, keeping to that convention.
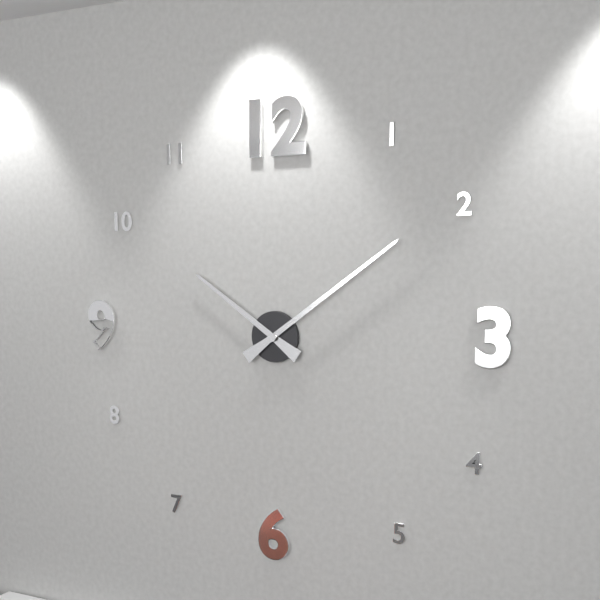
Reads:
10,09
